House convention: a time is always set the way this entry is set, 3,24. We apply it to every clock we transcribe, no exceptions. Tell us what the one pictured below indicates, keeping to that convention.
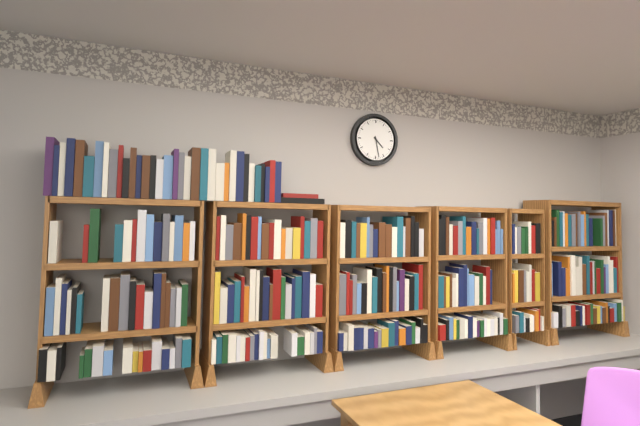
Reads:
4,28
